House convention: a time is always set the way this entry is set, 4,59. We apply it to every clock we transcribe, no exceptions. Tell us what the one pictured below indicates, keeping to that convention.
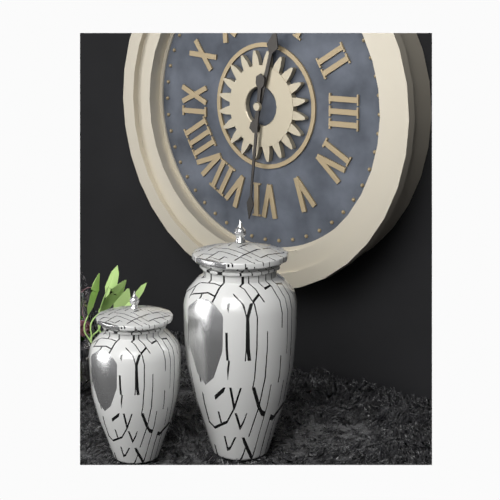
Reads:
12,31
